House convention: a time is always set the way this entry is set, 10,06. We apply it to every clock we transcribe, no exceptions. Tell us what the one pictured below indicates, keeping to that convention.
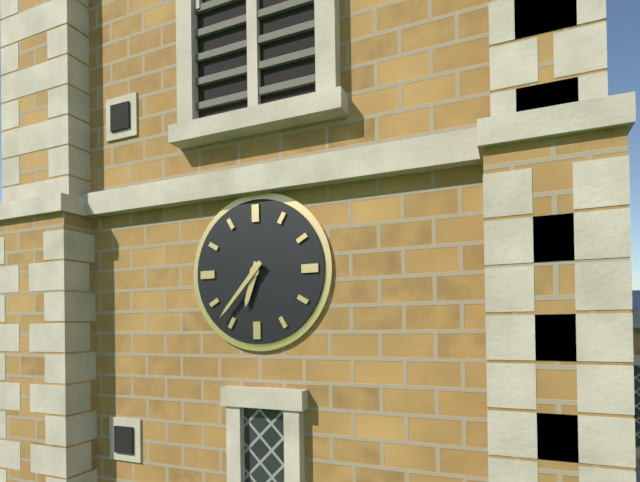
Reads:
6,37
